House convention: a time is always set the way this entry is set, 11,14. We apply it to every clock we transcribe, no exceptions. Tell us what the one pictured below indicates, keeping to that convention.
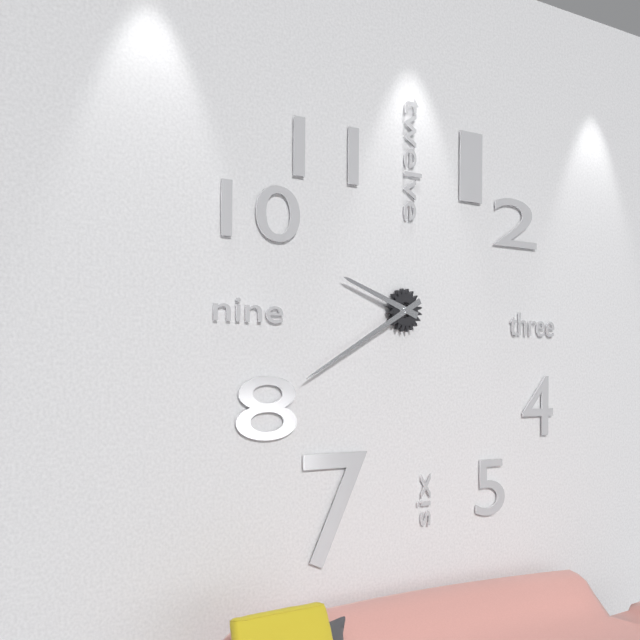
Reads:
9,40
